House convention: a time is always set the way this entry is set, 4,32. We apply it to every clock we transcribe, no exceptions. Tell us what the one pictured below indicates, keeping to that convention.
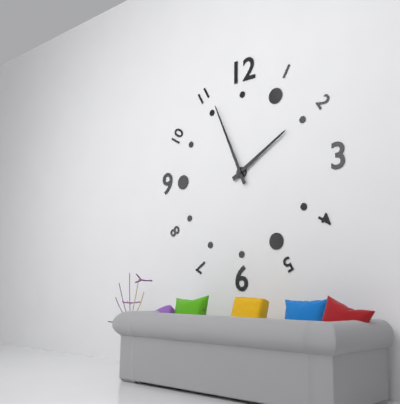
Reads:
1,56
